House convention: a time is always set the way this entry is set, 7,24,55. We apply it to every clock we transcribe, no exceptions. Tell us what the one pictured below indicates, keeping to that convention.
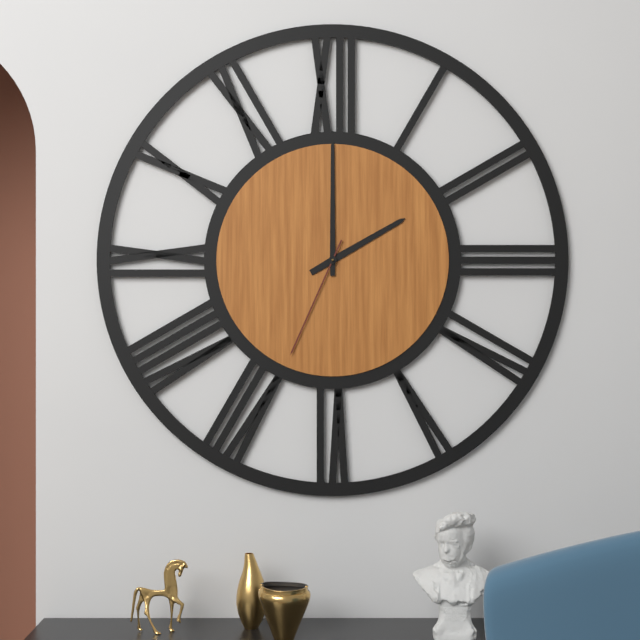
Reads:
2,00,34
